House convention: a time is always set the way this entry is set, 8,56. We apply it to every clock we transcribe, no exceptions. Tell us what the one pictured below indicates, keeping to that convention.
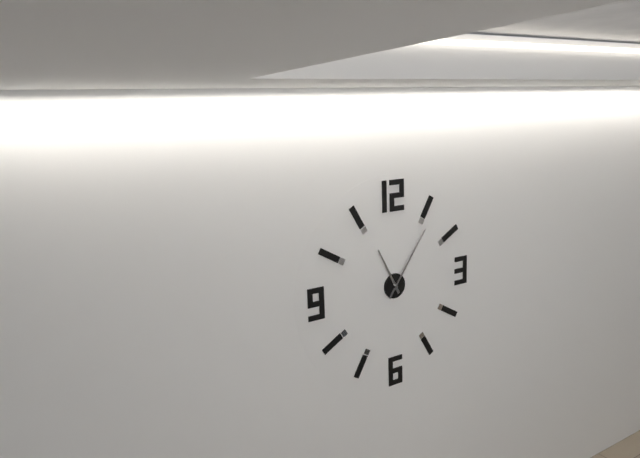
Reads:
11,06
